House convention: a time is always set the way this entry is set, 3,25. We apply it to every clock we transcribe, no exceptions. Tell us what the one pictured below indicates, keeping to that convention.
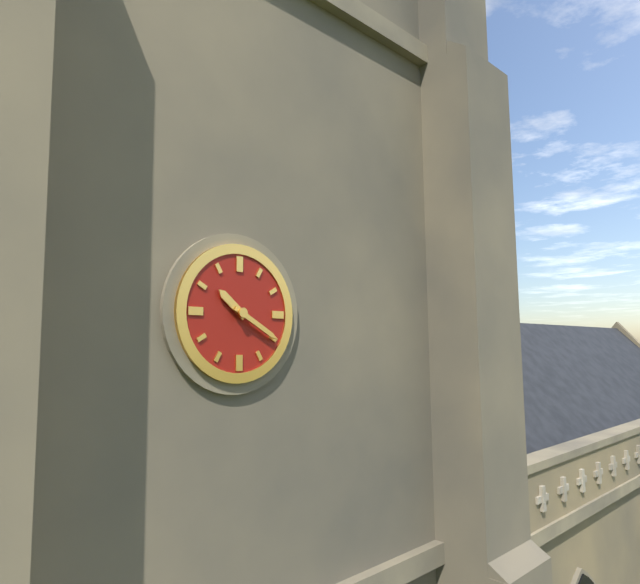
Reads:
10,20
